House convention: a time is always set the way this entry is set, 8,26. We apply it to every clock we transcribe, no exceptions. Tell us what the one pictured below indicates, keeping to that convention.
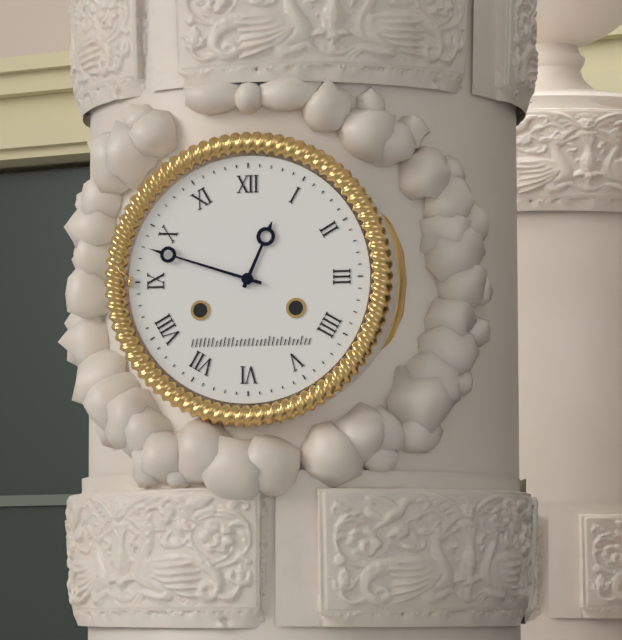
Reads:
12,48
